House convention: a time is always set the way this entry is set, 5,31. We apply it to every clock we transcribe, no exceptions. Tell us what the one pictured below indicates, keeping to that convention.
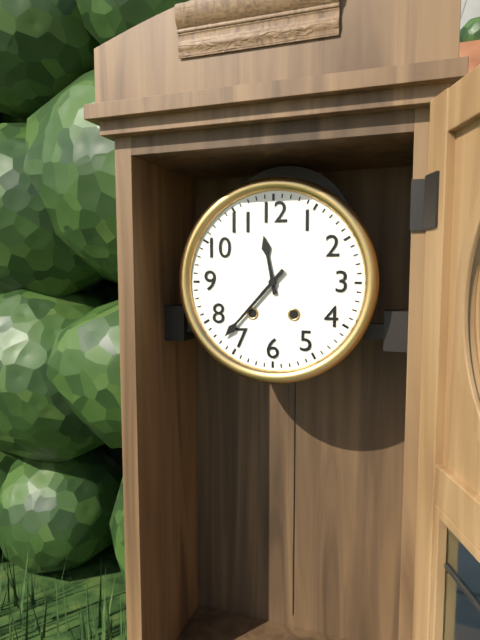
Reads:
11,37
